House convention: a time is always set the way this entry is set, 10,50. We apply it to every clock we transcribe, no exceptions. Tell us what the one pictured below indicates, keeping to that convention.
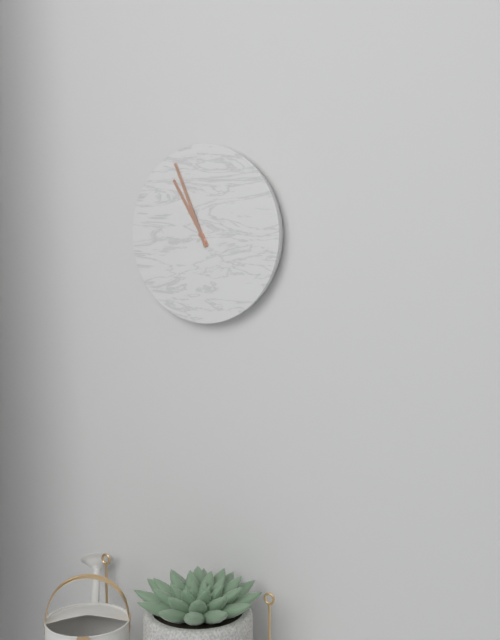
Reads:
10,56
